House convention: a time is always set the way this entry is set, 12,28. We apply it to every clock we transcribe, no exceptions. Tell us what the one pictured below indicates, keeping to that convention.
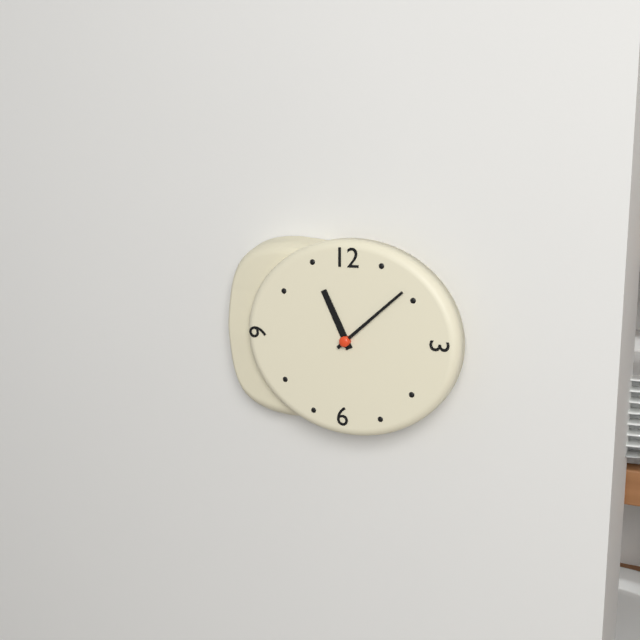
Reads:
11,08
